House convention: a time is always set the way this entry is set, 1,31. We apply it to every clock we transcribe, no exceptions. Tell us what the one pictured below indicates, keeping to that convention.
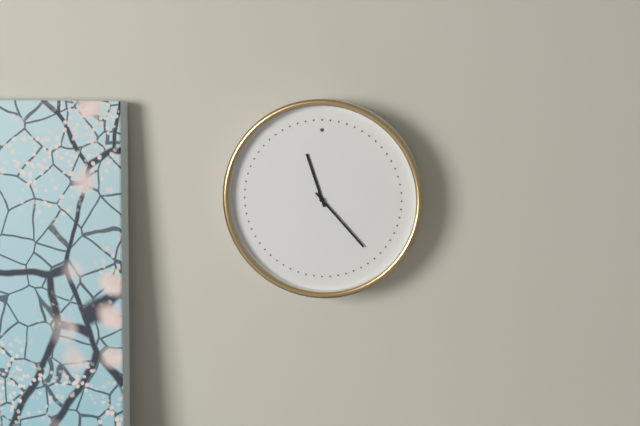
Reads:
11,23
